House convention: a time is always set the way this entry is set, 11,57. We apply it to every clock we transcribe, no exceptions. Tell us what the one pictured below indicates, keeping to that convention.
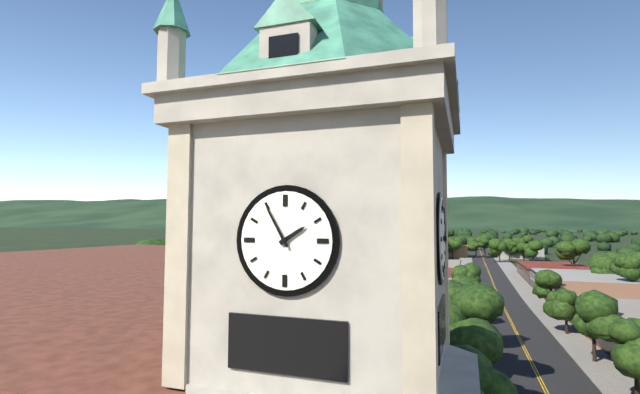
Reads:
1,55
